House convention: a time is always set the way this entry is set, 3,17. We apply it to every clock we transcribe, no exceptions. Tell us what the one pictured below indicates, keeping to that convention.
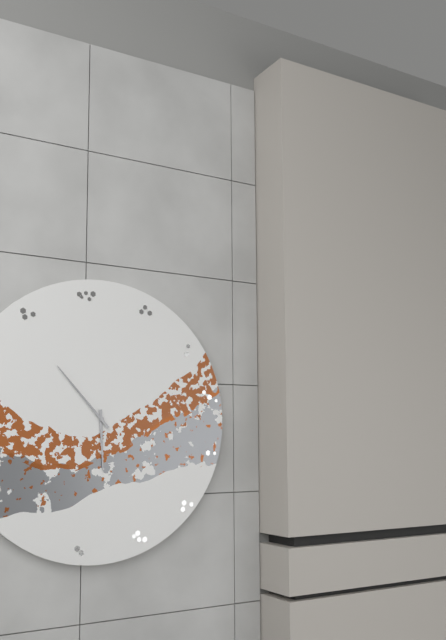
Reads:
5,53
